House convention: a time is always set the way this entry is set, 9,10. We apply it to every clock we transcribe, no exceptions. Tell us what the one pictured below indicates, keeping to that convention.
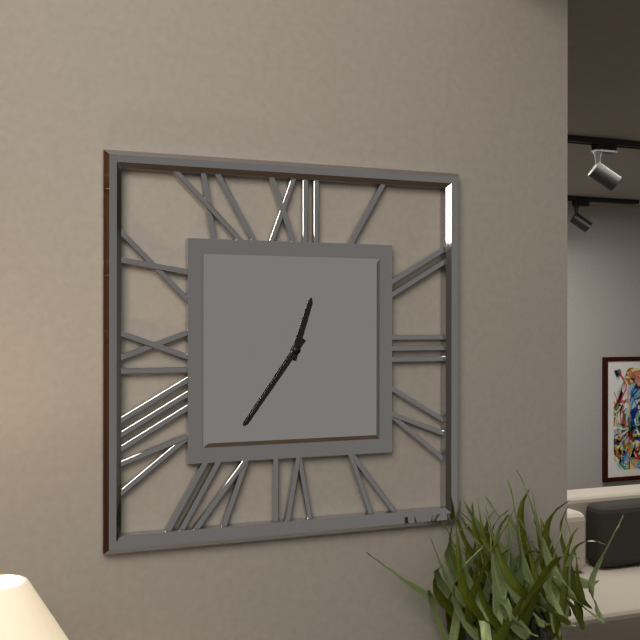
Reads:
12,36
